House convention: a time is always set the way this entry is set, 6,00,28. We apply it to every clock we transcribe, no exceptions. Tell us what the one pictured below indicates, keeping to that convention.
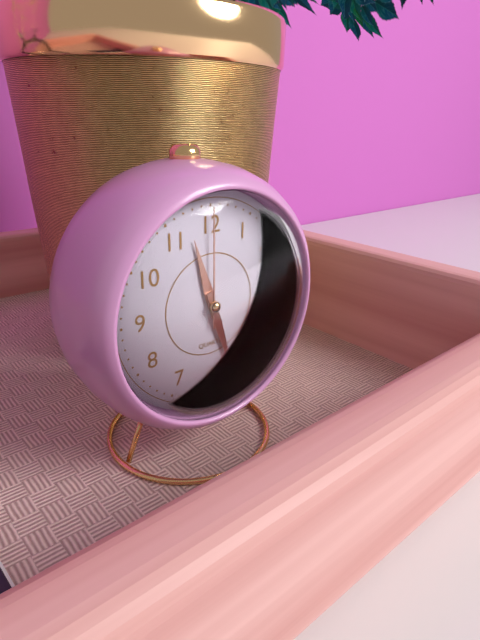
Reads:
11,27,00
